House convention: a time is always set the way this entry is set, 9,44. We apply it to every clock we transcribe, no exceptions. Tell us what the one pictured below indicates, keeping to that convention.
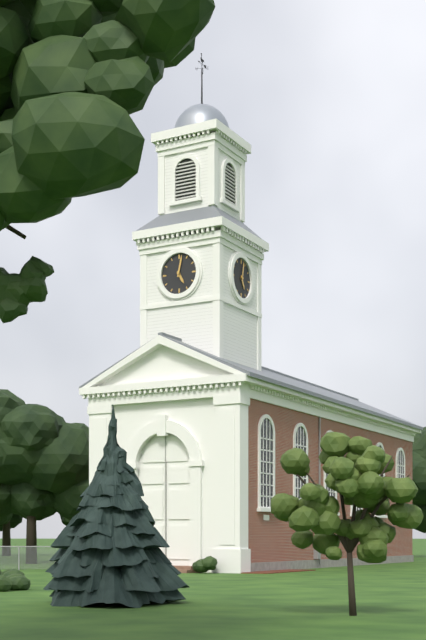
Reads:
5,02
